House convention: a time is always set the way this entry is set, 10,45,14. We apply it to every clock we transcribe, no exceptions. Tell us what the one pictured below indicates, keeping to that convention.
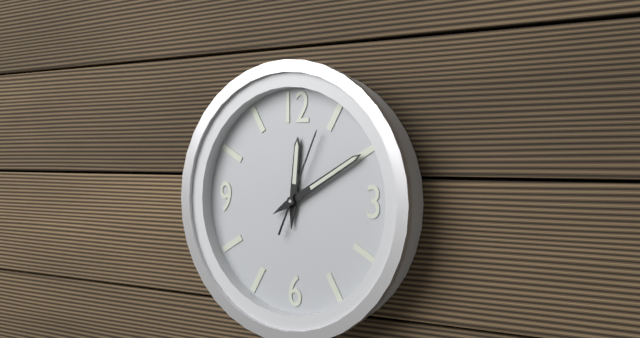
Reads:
12,10,04
